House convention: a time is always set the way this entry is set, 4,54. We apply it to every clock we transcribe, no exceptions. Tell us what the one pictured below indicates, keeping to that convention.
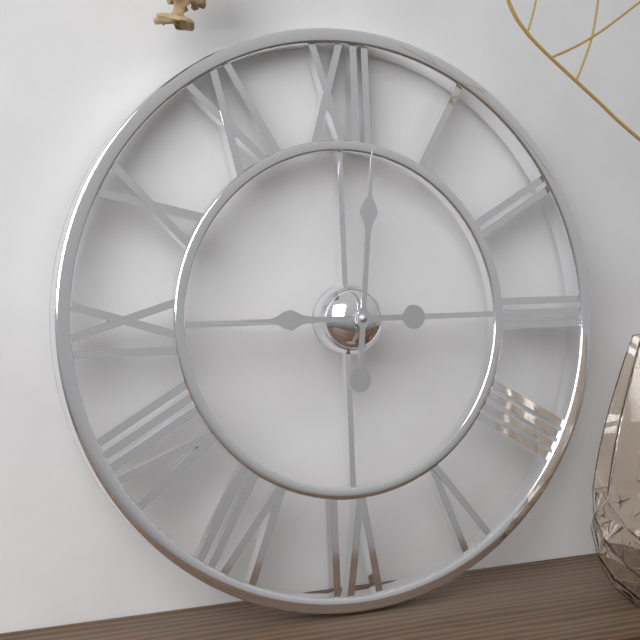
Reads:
9,01
